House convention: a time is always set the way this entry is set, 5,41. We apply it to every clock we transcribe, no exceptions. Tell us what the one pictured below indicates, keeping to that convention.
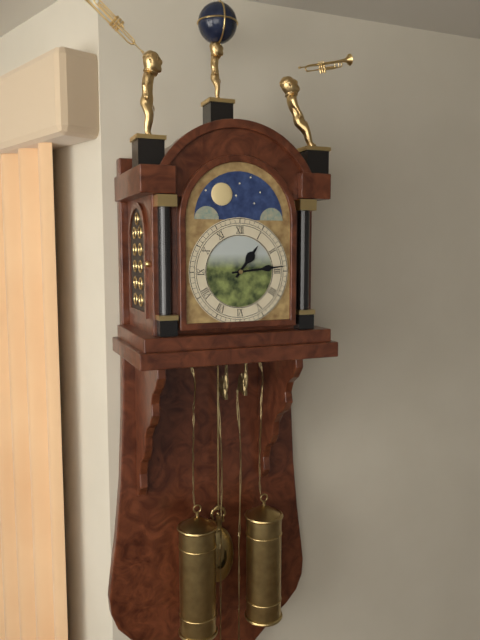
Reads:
1,14
